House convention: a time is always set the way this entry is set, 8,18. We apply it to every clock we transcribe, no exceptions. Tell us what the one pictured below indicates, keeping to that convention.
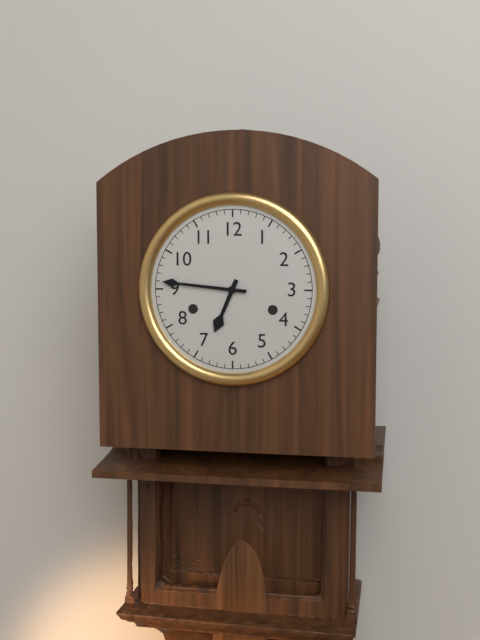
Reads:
6,46
